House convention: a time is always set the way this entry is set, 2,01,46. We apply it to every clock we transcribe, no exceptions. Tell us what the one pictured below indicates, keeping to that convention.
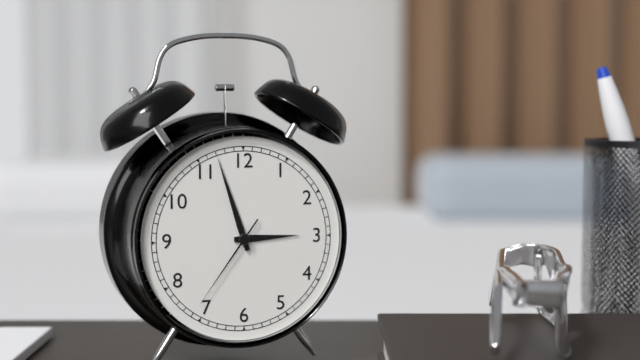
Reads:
2,57,36
